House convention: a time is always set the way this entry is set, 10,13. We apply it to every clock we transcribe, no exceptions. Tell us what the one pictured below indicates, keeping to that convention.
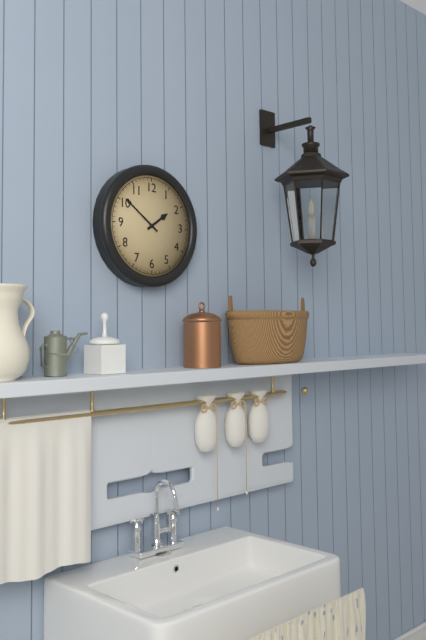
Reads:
1,51
